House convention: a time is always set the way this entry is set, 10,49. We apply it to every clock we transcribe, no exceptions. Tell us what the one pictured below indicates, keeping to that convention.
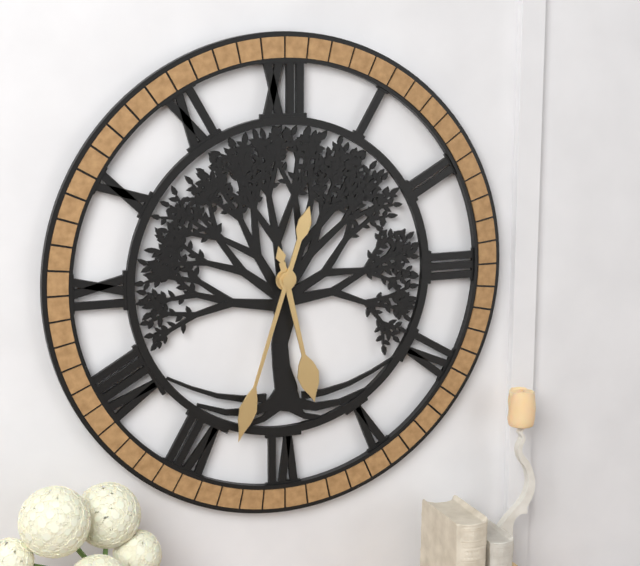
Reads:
5,33
